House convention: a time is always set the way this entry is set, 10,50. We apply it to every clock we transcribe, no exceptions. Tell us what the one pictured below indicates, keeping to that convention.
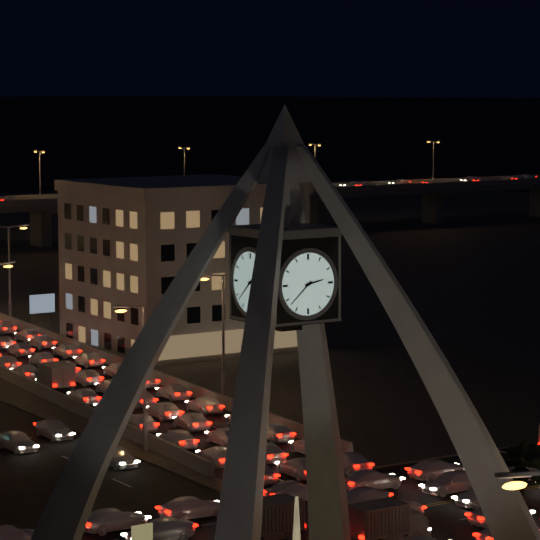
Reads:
2,38
